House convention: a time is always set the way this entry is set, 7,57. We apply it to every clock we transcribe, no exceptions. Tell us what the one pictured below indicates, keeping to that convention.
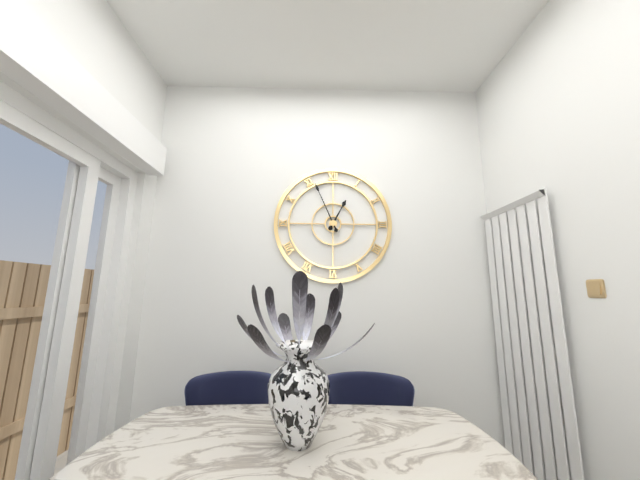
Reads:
12,56
